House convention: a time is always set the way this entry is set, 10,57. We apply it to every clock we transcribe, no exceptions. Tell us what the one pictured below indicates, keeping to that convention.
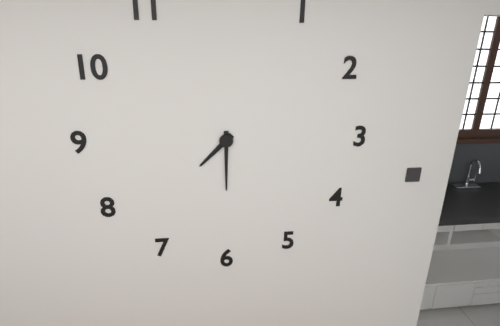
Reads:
7,30
